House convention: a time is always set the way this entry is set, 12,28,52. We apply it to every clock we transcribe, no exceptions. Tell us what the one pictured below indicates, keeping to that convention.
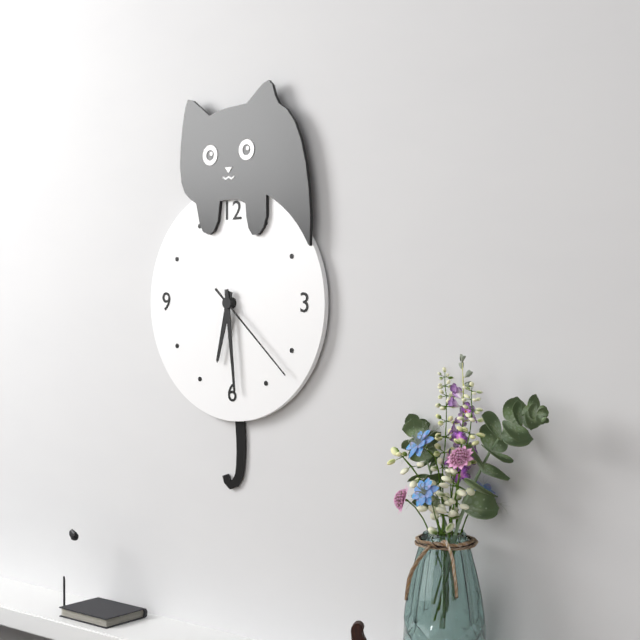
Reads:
6,29,22
